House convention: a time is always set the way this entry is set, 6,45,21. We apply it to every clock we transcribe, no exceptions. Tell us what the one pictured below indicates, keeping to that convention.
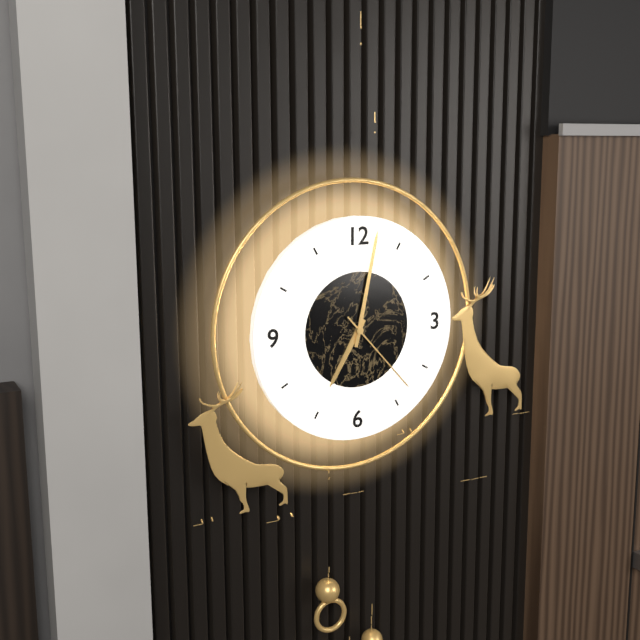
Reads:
7,02,23
